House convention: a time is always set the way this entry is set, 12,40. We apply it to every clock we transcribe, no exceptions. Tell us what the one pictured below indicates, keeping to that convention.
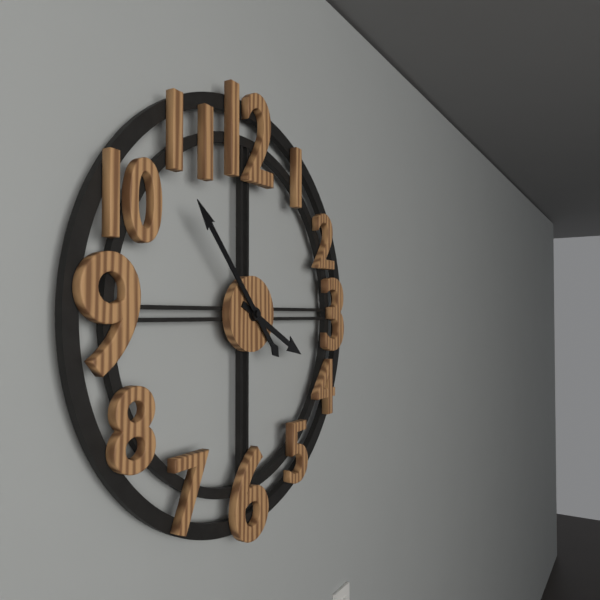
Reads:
3,53
